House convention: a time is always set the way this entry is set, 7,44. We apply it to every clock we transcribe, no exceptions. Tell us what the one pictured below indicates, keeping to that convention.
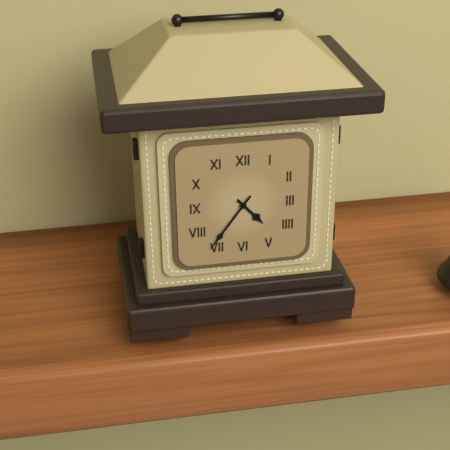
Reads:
4,36
